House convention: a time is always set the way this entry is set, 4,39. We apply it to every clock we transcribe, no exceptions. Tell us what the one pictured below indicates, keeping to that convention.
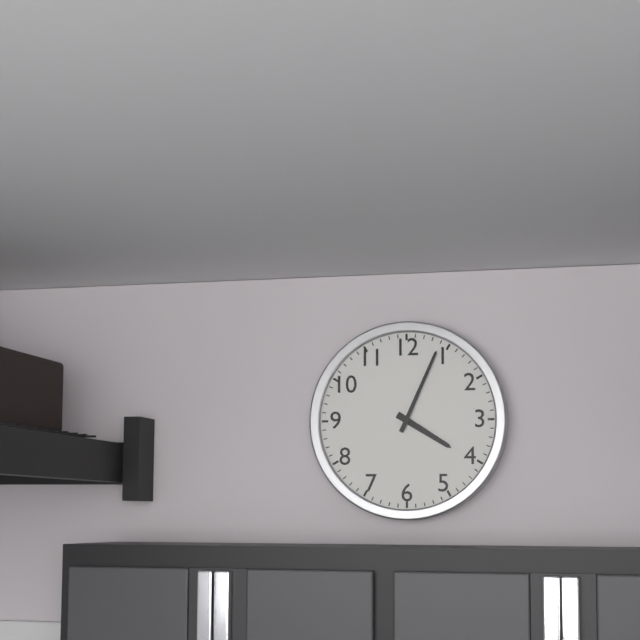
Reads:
4,04
